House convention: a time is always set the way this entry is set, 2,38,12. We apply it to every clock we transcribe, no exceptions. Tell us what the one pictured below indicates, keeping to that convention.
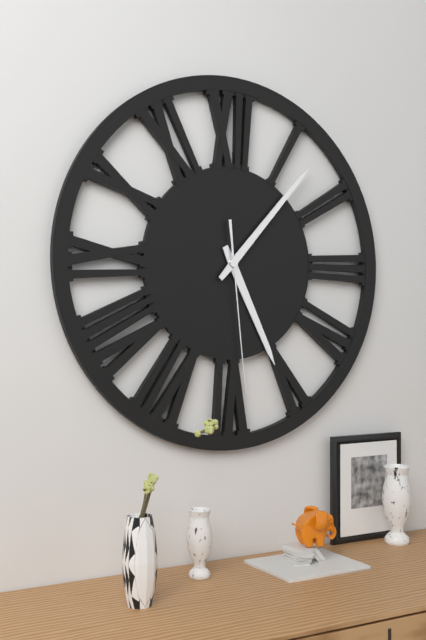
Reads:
5,07,29
